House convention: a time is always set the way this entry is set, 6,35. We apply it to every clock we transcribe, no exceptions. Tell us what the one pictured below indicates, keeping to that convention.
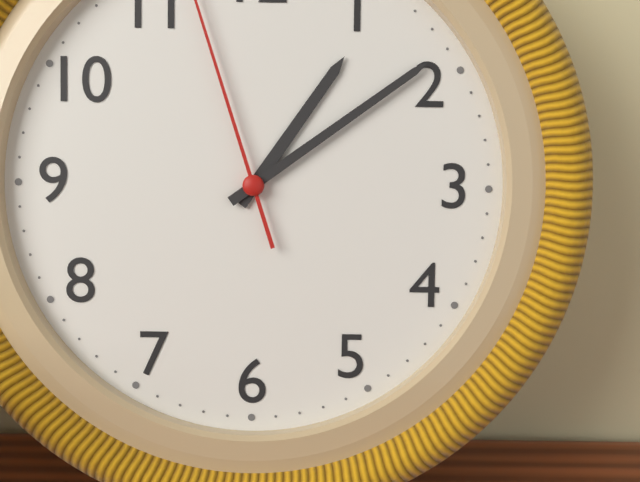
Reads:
1,09
